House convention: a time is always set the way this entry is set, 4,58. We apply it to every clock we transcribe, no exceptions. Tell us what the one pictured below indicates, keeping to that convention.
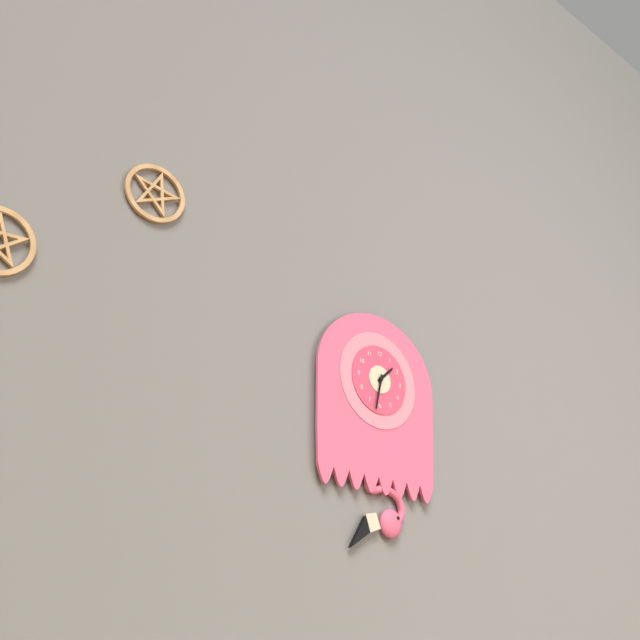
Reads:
1,32
